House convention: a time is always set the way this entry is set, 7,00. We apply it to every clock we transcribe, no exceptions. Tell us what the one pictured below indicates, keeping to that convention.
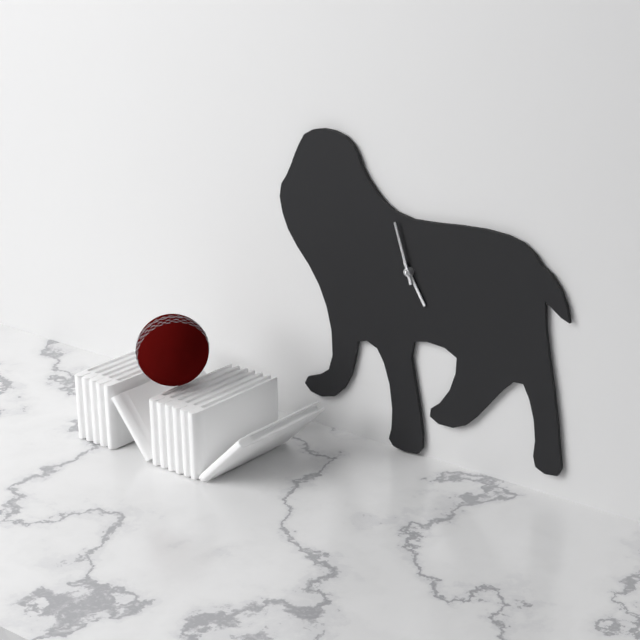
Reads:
4,57
